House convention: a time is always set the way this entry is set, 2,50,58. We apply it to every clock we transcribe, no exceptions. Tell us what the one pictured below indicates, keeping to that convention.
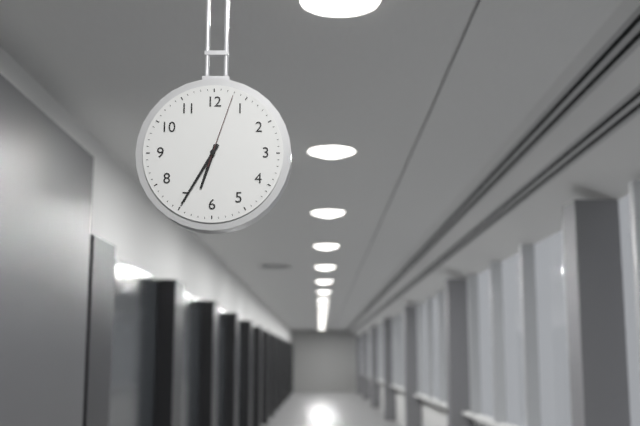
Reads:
6,35,03
